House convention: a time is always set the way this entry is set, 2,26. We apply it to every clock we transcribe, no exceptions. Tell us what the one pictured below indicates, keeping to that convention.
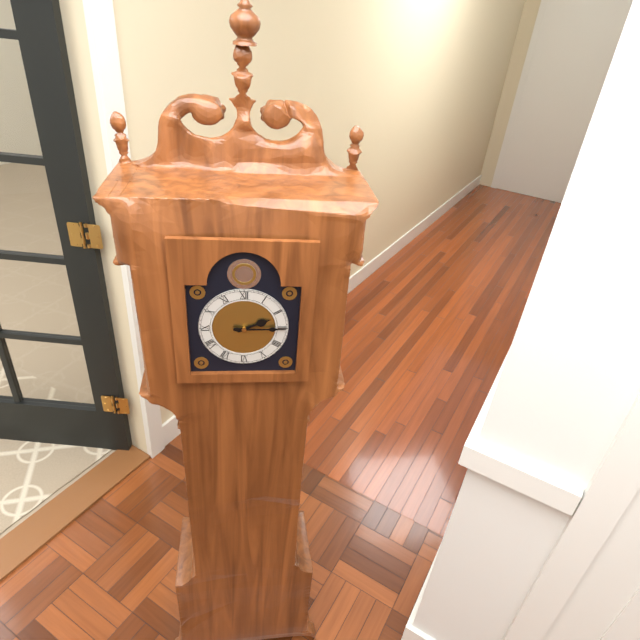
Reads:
2,15
